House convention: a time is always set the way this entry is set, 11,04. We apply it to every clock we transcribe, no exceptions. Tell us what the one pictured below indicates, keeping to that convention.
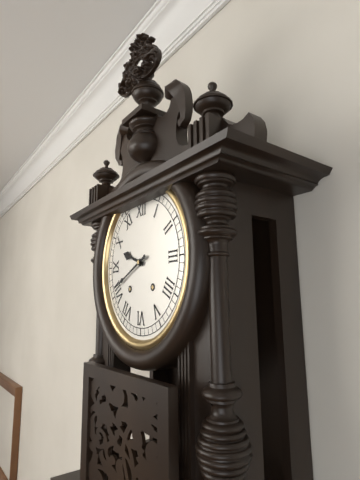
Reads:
9,41
